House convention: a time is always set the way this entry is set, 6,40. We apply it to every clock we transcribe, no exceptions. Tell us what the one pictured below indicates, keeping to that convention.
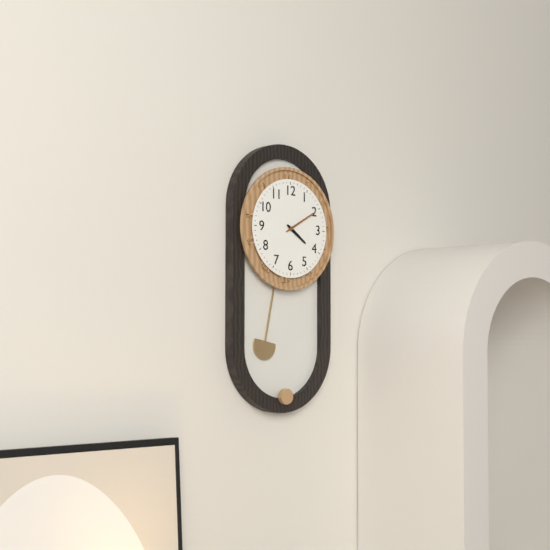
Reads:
4,10
